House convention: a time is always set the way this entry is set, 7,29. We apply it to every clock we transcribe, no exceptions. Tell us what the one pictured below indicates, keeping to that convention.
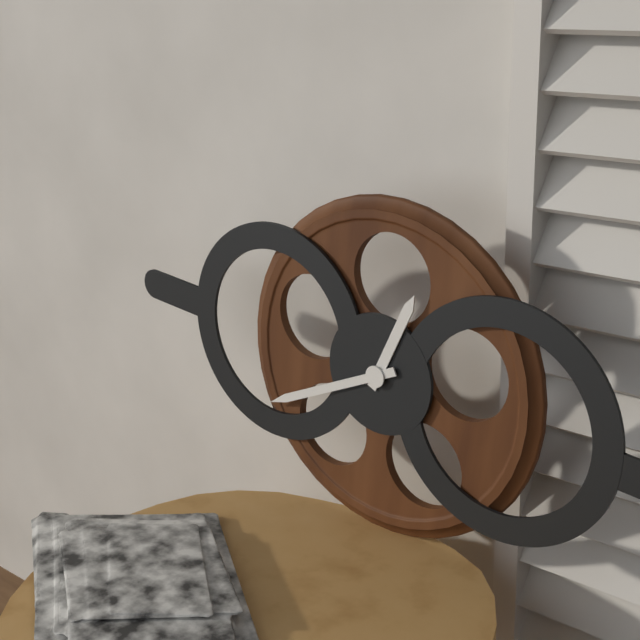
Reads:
12,40
